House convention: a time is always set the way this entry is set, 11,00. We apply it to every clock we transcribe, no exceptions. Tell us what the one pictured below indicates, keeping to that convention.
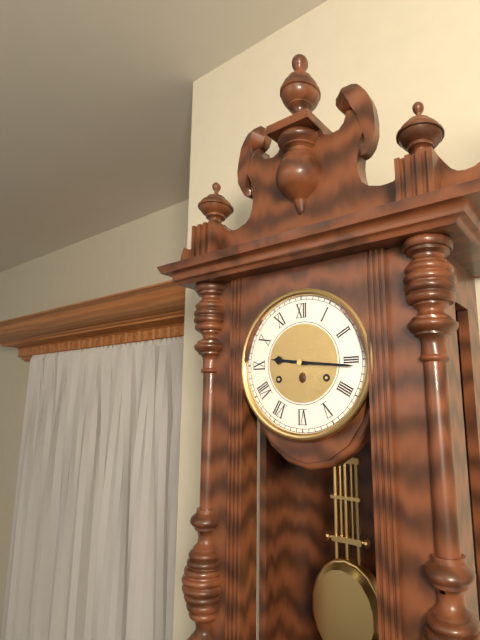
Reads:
9,16
